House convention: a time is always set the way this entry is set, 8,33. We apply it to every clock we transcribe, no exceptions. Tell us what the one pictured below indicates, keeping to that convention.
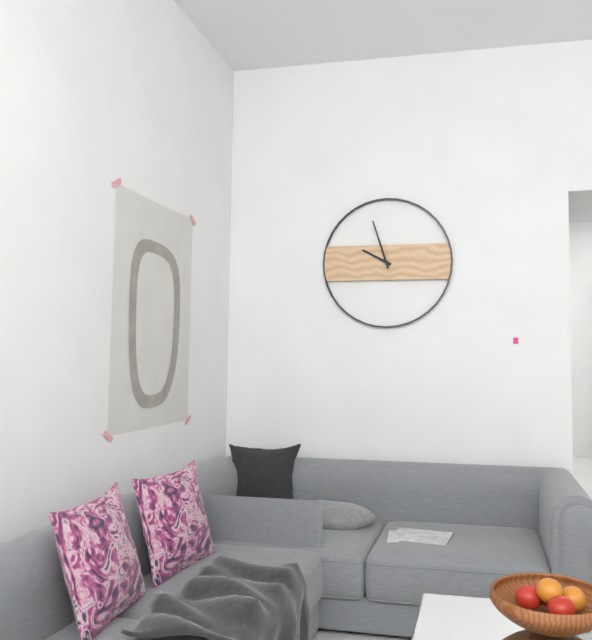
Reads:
9,57
